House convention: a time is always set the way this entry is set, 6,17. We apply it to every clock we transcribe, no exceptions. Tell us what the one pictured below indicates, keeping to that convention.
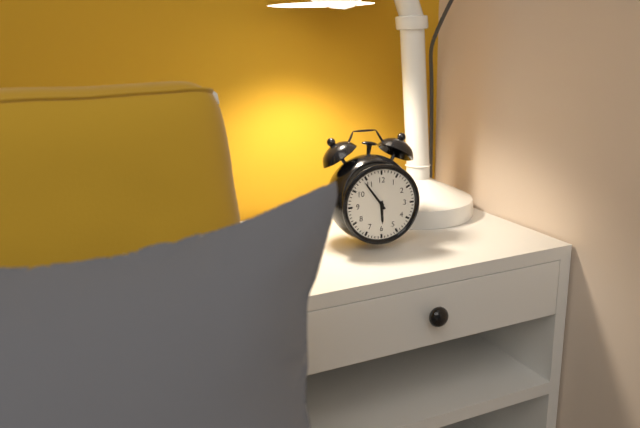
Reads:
5,54
